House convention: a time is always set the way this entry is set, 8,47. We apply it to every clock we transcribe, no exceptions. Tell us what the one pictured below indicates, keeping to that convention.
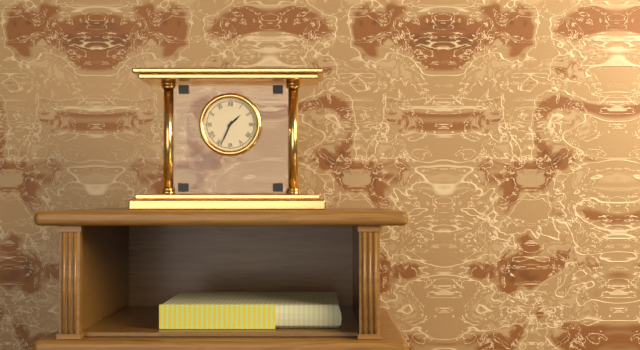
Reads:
1,34
